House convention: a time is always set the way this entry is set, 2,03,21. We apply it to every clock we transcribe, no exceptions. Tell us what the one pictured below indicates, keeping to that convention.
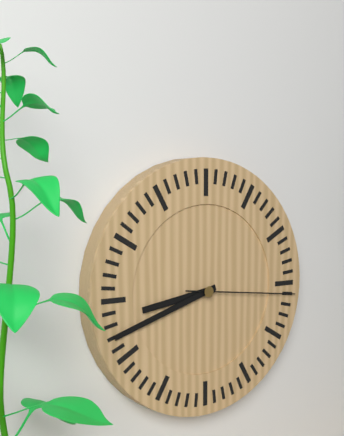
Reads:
8,42,16
